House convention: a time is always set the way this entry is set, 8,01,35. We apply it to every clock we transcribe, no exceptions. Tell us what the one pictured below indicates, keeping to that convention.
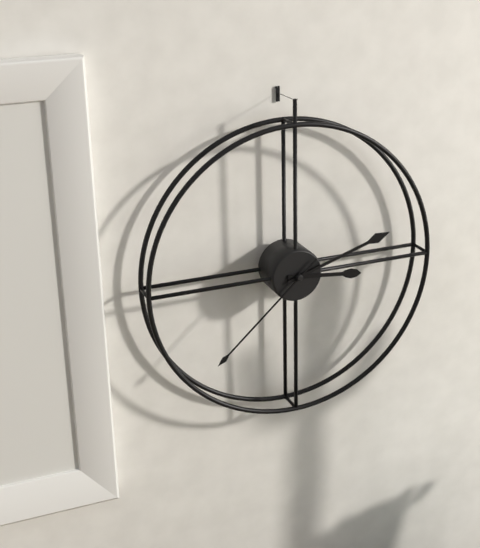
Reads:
3,12,38
